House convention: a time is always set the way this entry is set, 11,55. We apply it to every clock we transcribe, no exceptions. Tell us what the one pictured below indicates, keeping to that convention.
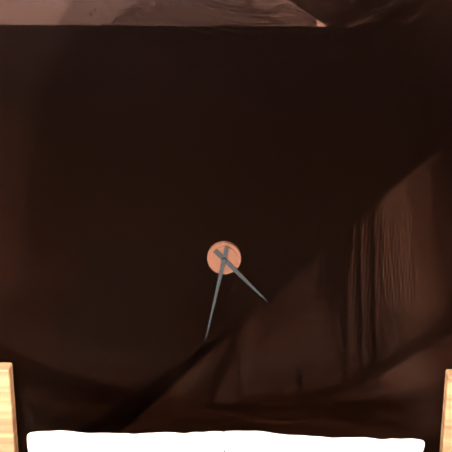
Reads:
4,32
